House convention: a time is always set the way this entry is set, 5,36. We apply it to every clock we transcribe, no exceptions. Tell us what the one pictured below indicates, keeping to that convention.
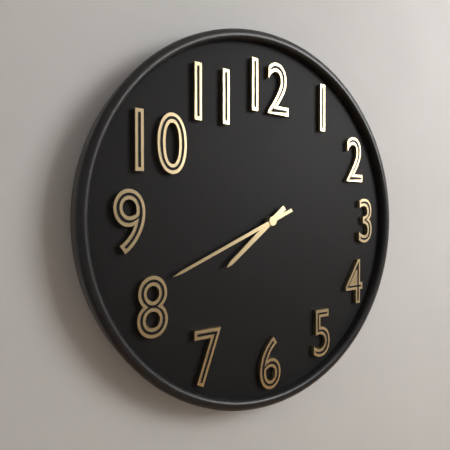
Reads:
7,41
